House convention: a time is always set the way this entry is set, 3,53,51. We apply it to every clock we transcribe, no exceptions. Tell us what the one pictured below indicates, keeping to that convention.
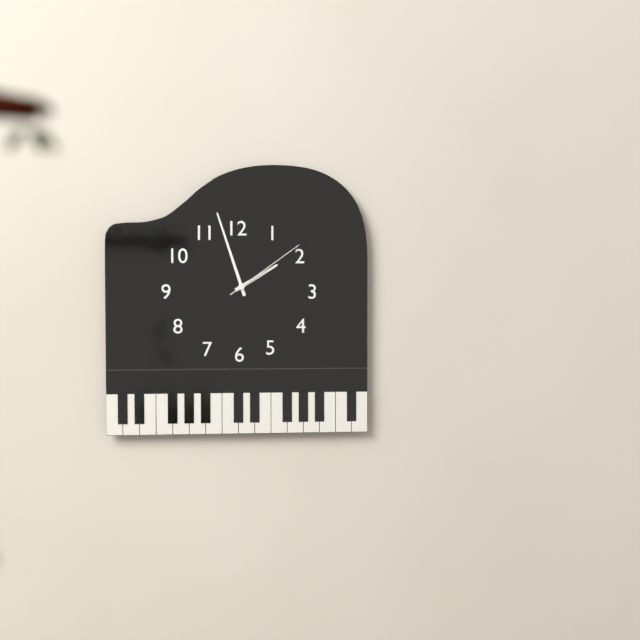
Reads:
1,57,09
